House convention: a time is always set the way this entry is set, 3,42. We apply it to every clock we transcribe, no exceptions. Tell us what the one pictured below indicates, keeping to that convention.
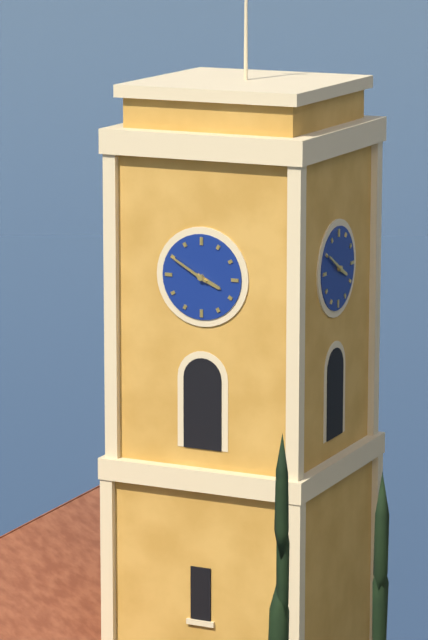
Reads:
3,50
